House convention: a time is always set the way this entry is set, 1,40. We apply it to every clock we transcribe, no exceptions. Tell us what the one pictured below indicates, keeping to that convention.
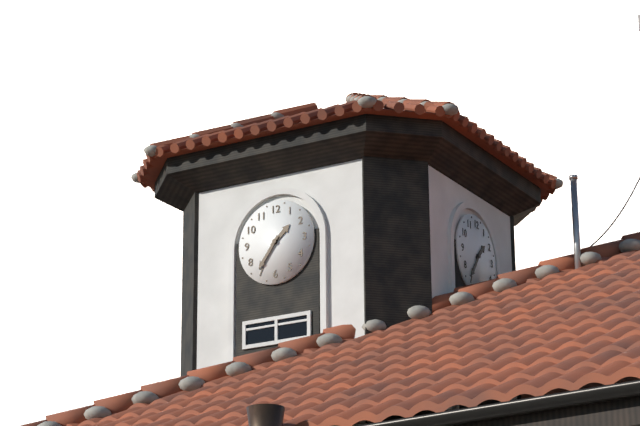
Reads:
1,36
